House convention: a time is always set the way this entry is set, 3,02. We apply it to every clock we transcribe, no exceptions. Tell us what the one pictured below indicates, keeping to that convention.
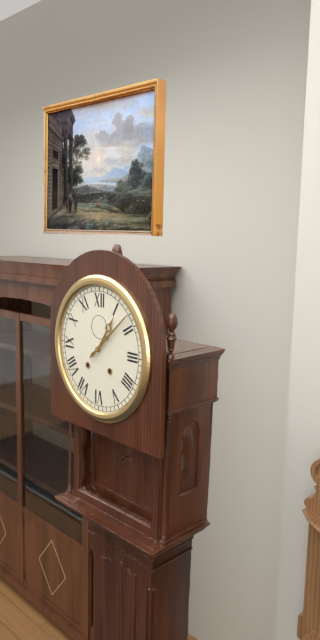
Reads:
1,08
